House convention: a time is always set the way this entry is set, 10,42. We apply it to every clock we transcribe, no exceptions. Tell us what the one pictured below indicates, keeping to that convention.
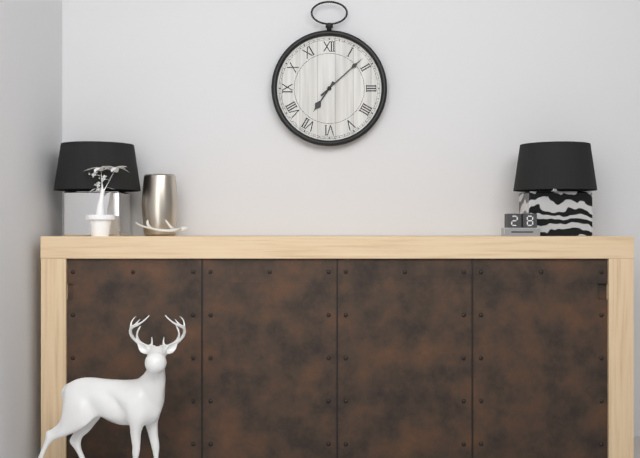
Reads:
7,08
